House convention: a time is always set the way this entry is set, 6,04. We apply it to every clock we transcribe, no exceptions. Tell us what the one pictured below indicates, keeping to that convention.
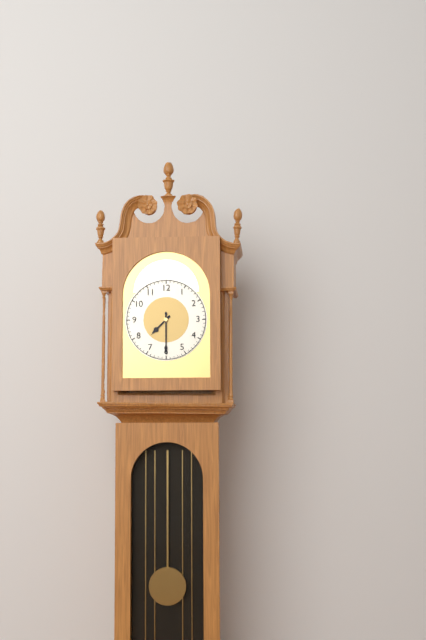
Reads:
7,30
